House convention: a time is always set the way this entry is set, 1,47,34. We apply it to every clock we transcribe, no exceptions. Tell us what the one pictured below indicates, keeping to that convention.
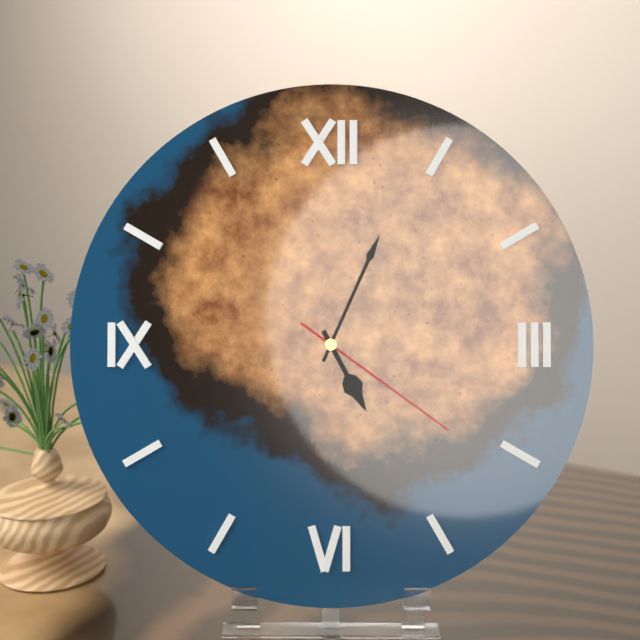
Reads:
5,04,21
